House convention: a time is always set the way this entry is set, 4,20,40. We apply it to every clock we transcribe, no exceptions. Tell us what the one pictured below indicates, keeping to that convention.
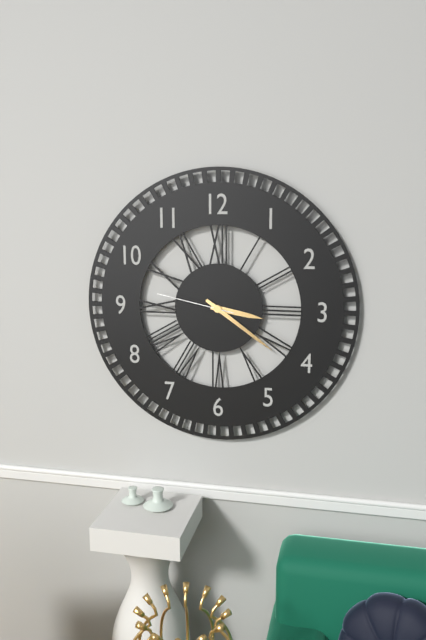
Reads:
3,21,47
